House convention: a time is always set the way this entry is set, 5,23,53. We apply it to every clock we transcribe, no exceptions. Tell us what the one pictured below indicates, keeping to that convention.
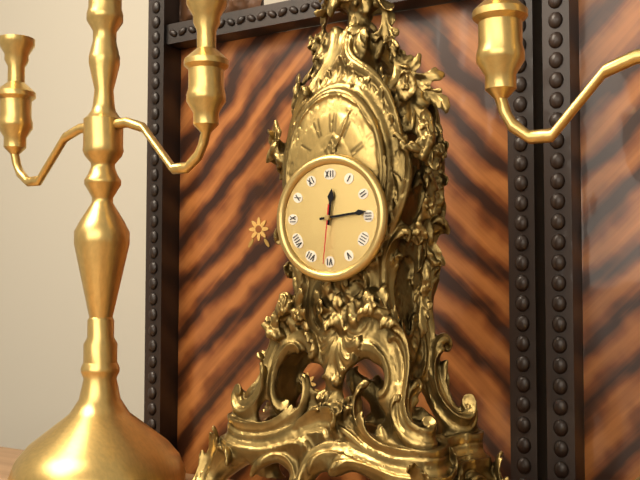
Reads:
12,14,31
